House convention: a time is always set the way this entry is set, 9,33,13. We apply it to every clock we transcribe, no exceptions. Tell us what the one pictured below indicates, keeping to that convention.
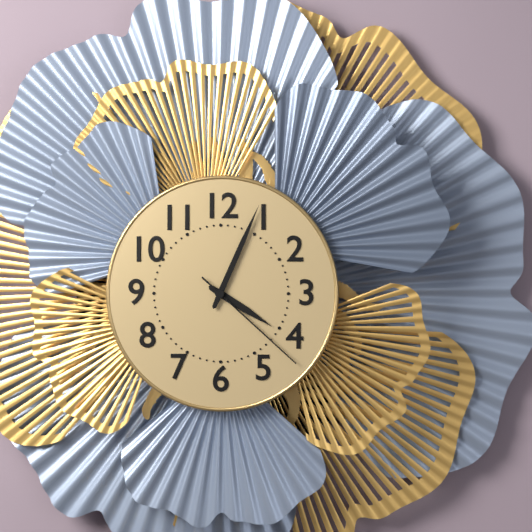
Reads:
4,04,22
